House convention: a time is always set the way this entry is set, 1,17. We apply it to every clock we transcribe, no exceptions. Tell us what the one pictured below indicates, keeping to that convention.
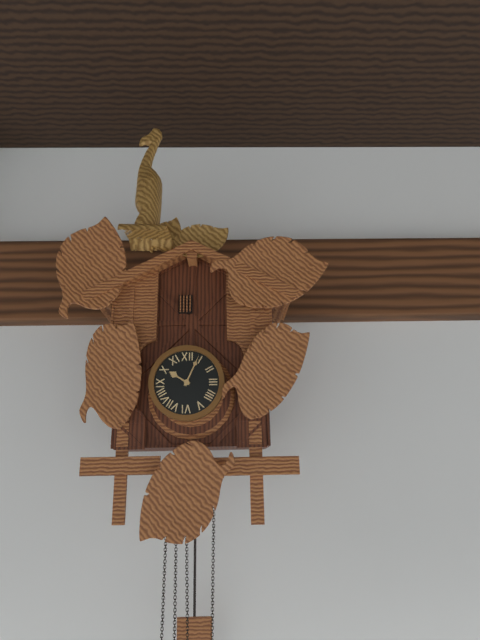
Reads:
10,04
